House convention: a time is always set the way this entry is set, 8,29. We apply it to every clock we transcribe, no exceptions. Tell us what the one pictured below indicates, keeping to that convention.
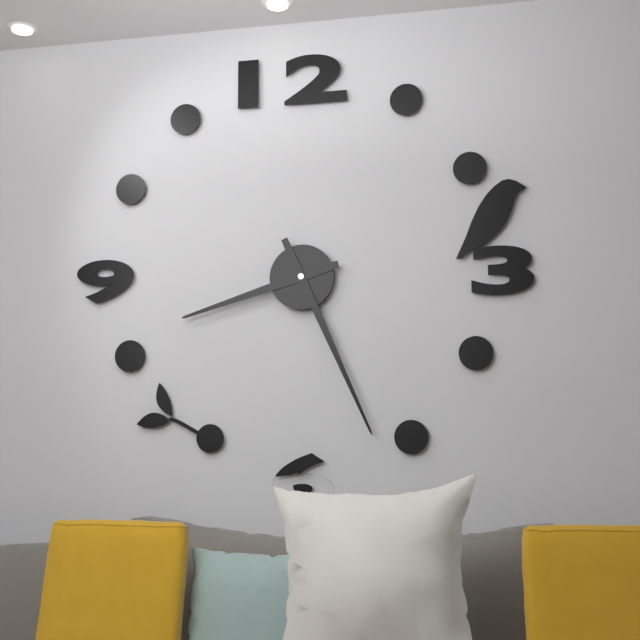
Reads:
8,26
